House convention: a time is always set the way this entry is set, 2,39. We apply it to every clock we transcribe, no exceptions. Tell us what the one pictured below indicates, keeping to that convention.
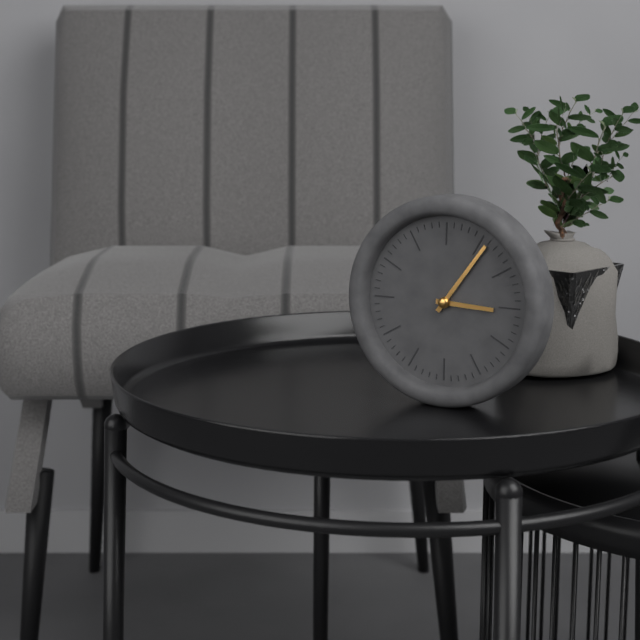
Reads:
3,06
